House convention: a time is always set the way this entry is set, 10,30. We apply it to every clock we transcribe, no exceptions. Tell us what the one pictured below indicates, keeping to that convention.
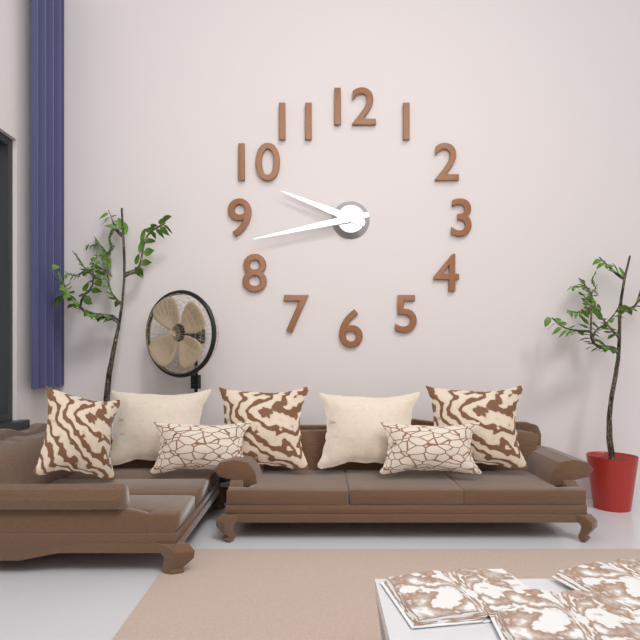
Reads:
9,43
